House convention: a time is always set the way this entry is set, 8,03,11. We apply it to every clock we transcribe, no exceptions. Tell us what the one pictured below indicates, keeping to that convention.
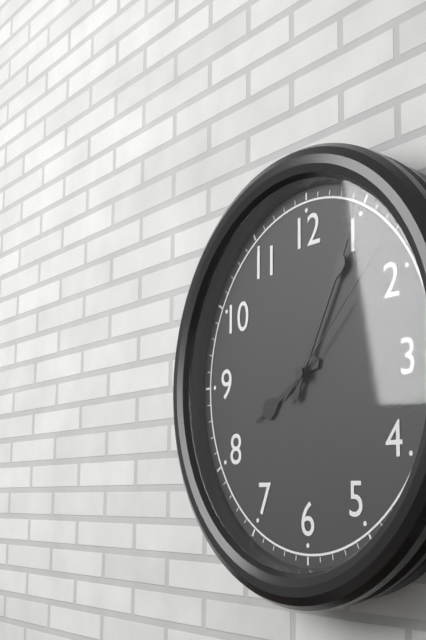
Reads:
8,05,08
